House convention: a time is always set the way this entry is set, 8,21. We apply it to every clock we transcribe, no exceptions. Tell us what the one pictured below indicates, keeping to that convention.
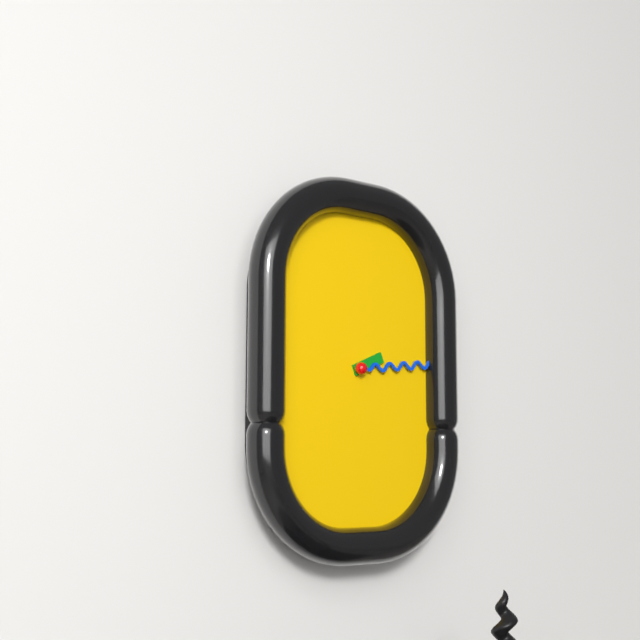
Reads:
2,14
